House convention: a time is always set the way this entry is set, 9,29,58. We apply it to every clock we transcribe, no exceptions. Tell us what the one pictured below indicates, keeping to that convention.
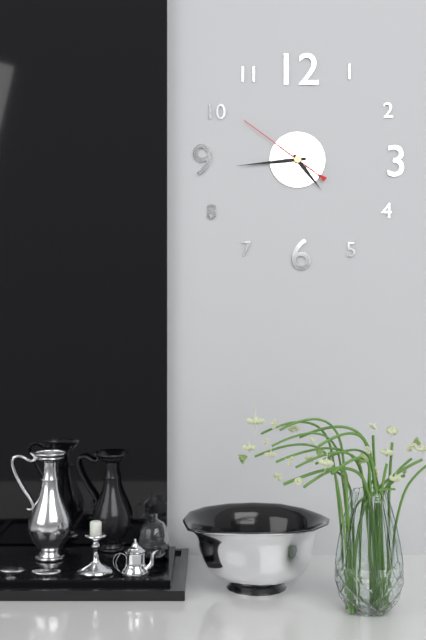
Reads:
4,44,51
